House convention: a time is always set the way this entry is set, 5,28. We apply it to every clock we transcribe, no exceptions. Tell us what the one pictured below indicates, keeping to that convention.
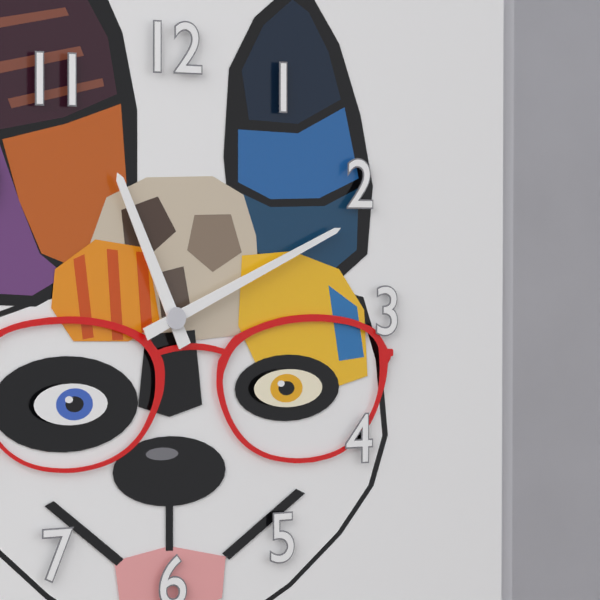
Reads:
11,11
